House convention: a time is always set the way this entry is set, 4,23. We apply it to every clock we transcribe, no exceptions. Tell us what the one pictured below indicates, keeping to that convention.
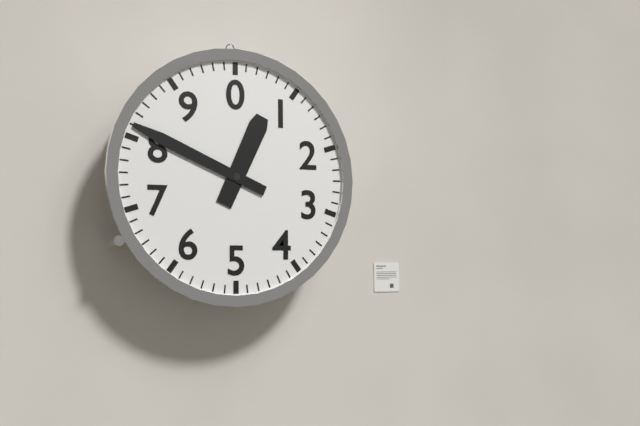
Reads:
12,49
